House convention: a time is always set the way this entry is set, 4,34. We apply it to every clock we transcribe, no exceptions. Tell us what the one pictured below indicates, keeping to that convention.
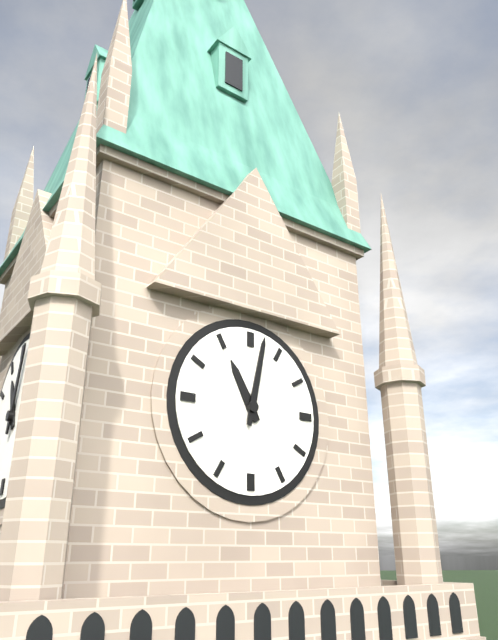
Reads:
11,02
